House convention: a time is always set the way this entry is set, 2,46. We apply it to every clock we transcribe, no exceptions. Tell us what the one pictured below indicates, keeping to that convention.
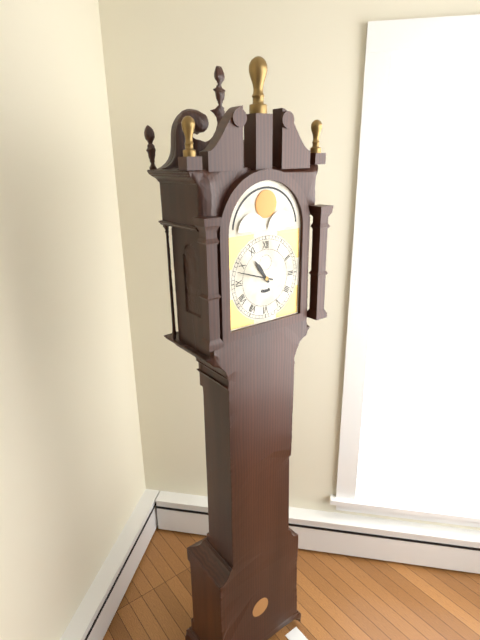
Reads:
10,48
